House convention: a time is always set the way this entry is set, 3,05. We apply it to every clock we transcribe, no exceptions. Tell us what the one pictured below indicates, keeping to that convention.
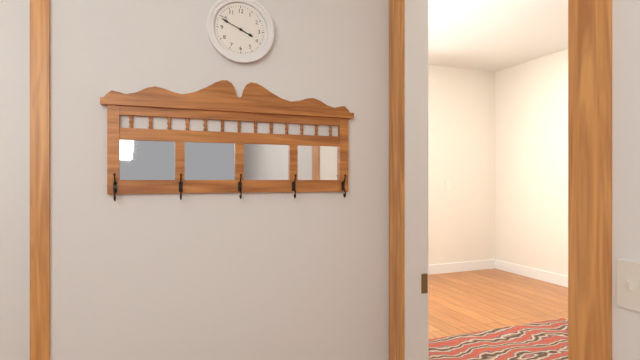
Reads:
3,49
